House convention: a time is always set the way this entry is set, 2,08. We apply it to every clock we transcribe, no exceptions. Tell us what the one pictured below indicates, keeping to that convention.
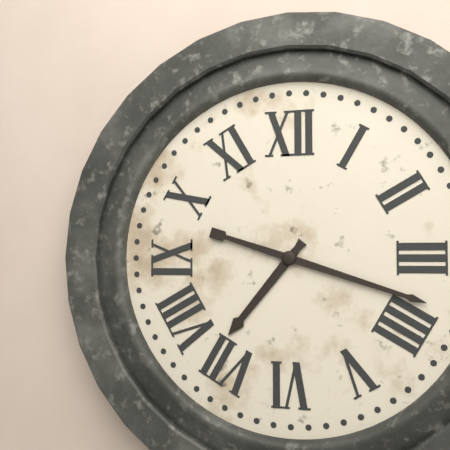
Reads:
7,18
